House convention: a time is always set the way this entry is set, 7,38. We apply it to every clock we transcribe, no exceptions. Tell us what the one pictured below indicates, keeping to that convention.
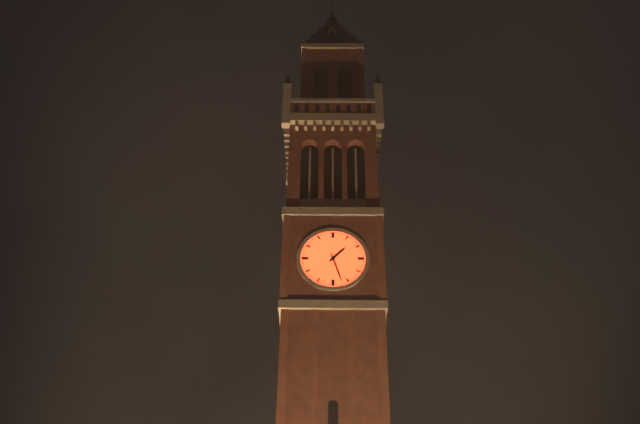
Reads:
1,27
